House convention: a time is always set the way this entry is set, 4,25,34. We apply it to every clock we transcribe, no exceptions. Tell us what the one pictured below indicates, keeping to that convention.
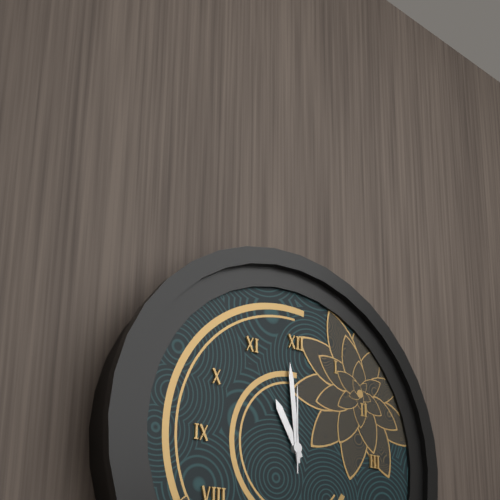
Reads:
10,59,00
